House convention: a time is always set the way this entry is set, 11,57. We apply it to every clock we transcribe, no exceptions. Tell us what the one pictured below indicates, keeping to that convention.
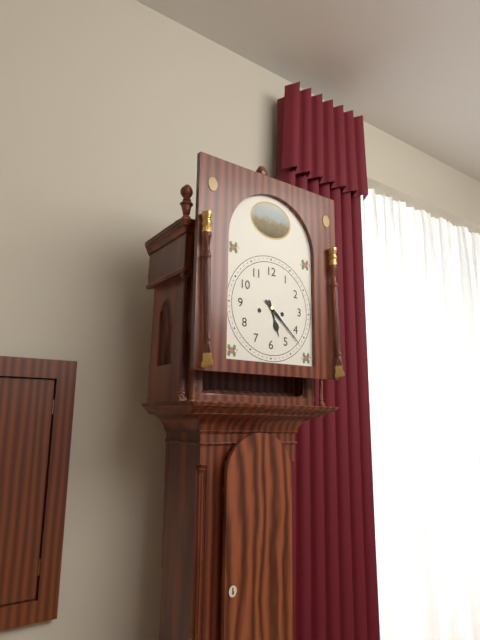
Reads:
5,22
